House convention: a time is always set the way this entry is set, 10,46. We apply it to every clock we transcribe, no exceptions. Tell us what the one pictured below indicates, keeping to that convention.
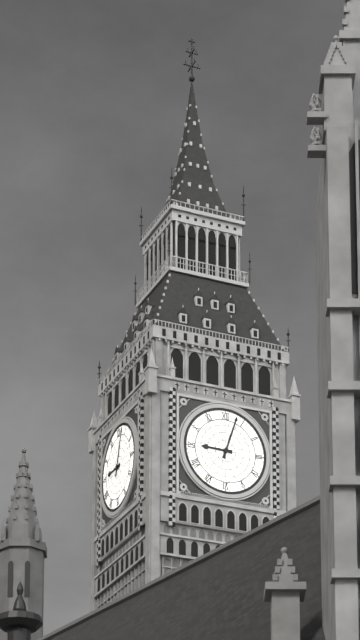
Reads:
9,03
